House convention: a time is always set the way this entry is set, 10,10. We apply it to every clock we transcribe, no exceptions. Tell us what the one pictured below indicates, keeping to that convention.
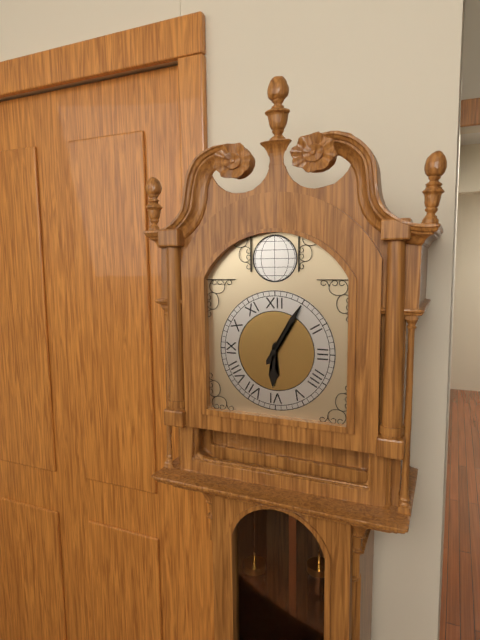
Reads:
6,05
